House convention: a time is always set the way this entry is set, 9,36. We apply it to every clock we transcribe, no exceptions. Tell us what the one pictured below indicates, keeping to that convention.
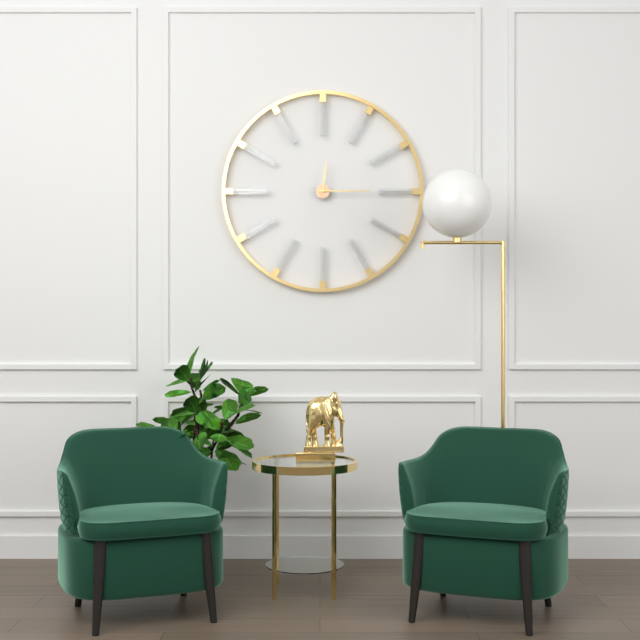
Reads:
12,15
